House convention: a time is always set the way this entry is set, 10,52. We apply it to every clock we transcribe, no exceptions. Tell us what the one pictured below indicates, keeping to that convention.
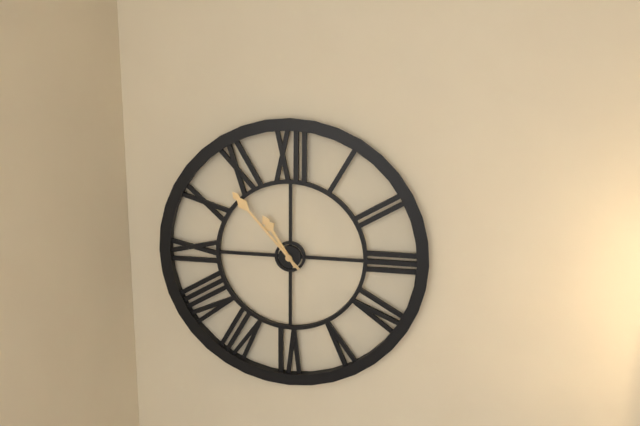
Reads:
10,53
